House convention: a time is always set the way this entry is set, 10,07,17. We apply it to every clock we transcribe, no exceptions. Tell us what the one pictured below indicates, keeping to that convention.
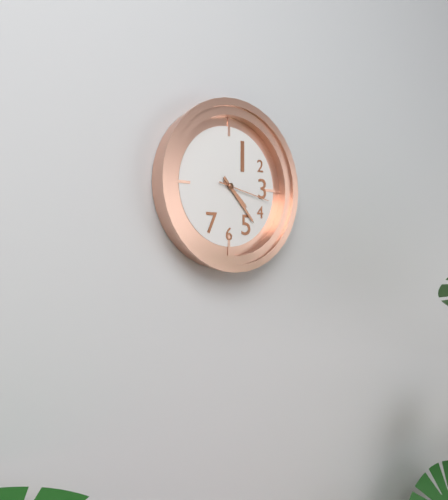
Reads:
4,23,17
